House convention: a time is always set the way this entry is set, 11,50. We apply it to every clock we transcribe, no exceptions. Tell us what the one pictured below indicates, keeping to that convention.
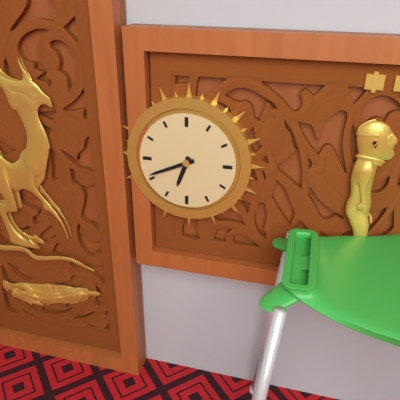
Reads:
6,41
